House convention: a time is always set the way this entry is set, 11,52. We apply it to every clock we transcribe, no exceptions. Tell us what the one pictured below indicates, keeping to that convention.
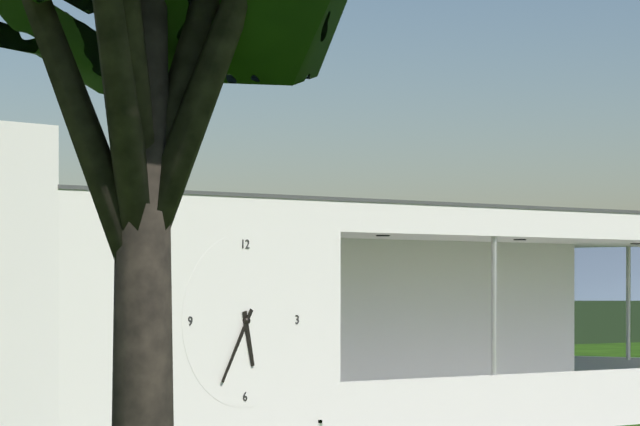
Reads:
5,35
